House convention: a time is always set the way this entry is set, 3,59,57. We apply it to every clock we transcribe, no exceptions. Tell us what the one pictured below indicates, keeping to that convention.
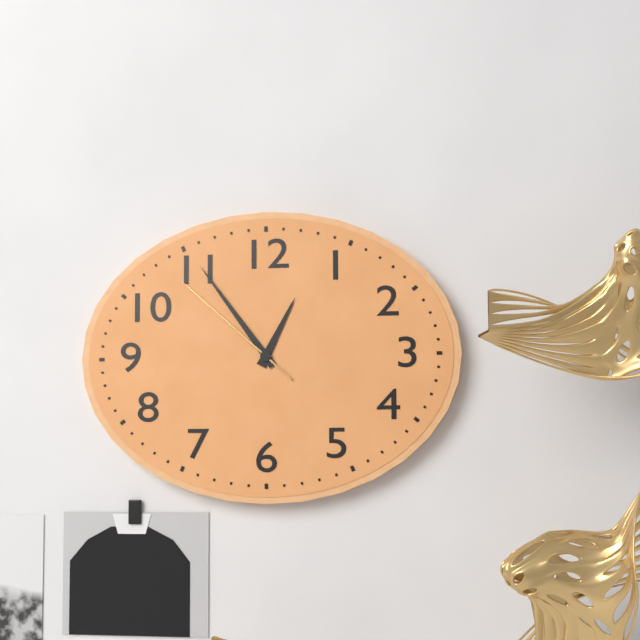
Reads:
12,54,52
